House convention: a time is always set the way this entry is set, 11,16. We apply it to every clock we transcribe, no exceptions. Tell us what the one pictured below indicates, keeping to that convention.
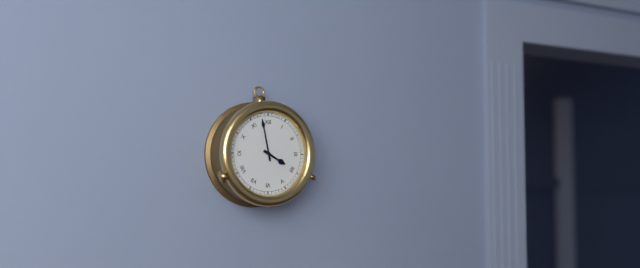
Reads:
3,58
